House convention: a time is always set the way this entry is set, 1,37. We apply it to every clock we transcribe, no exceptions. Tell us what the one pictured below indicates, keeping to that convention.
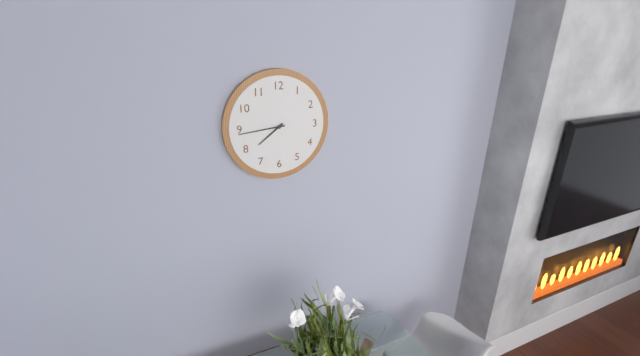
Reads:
7,44
